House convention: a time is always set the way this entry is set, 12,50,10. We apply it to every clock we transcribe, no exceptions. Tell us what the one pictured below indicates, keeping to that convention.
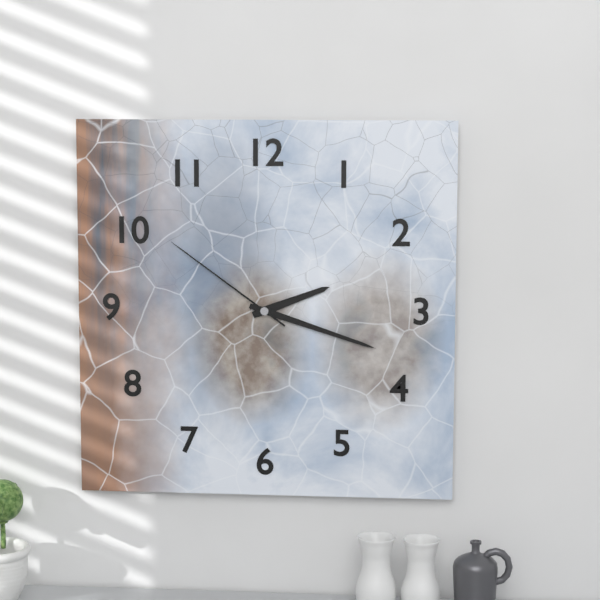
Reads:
2,18,51
